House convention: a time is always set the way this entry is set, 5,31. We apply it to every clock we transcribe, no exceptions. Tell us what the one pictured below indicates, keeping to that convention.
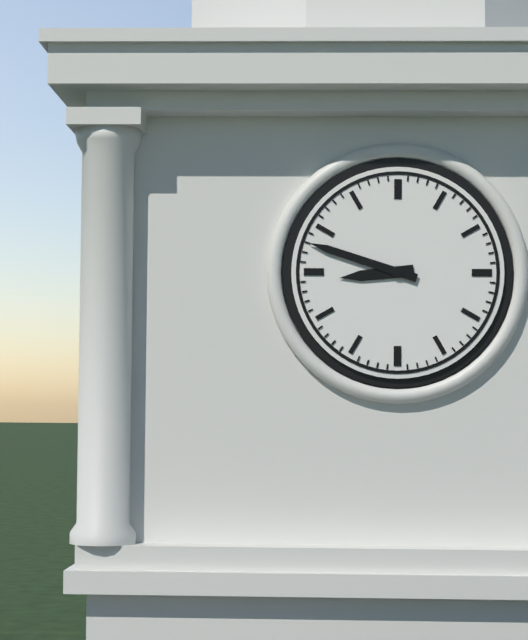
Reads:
8,48
